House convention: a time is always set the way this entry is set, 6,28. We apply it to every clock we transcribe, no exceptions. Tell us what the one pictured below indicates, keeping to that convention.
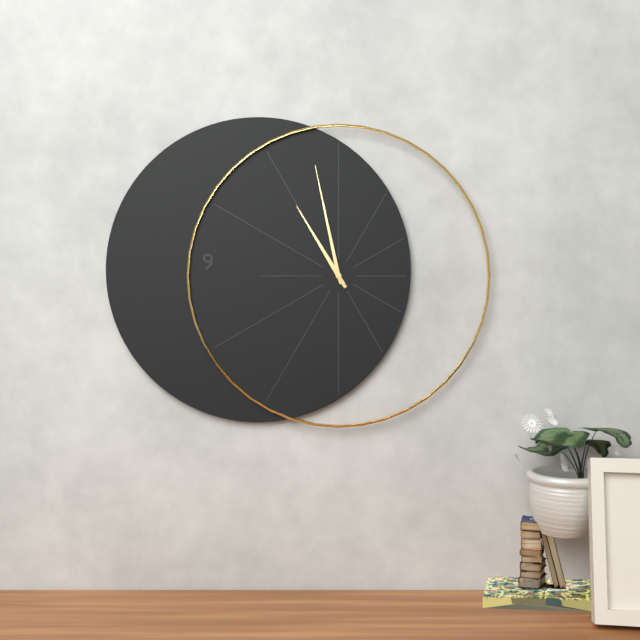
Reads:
10,58
